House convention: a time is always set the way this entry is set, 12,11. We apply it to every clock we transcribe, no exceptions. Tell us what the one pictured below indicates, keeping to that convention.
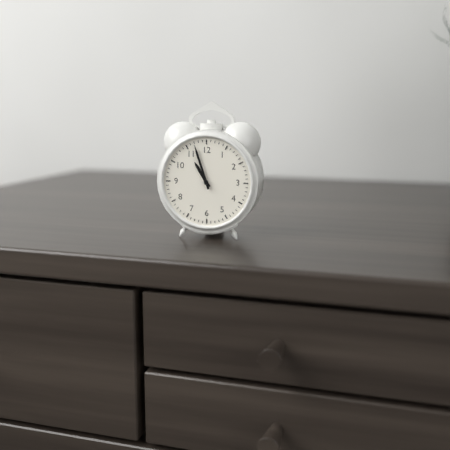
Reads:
10,57
